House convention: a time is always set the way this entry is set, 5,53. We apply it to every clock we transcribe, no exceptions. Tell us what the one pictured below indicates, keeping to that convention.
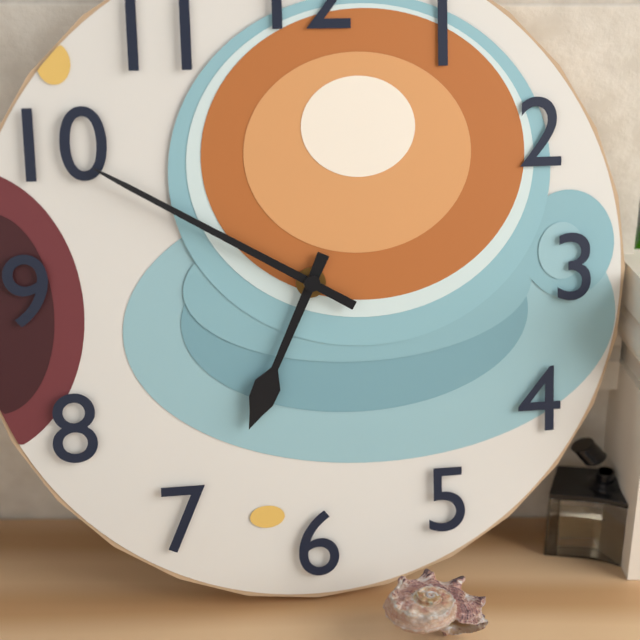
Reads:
6,50
